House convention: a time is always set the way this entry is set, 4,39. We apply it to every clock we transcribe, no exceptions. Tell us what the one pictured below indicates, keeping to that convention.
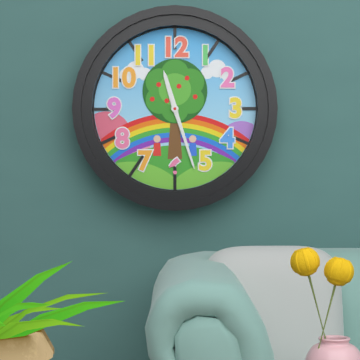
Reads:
11,27
